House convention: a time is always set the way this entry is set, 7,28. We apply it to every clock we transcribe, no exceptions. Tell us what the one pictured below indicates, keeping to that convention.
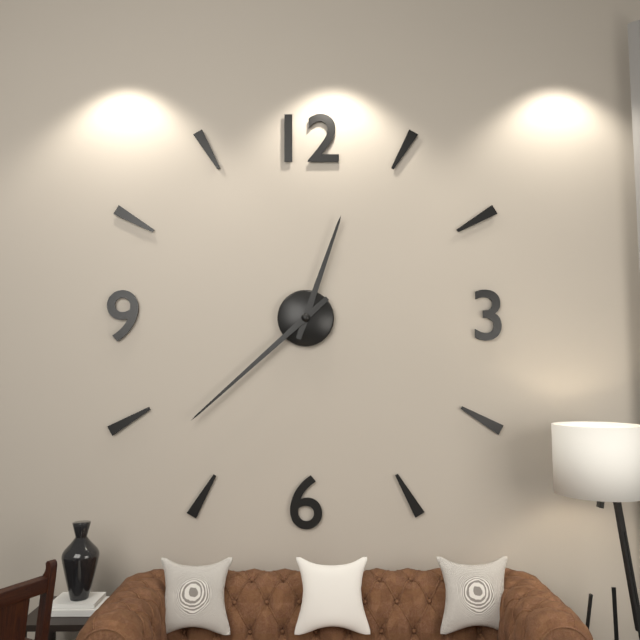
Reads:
12,38
